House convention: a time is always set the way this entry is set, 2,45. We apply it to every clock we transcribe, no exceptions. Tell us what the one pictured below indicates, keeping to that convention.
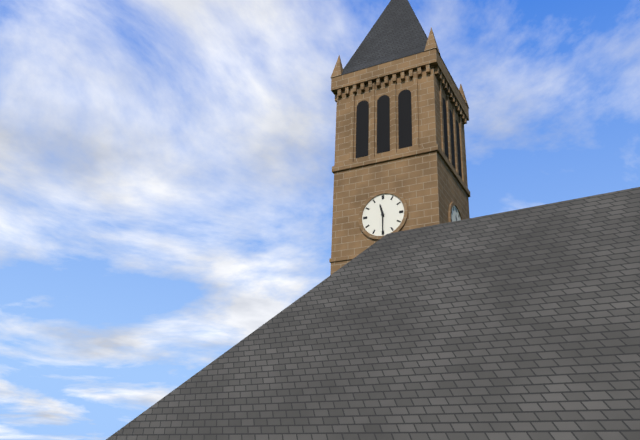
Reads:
11,30
